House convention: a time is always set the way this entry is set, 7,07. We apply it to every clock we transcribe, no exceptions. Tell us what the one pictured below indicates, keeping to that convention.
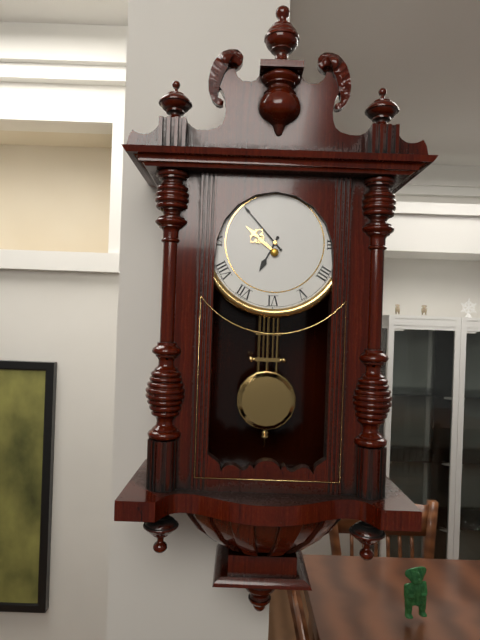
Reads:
6,53
